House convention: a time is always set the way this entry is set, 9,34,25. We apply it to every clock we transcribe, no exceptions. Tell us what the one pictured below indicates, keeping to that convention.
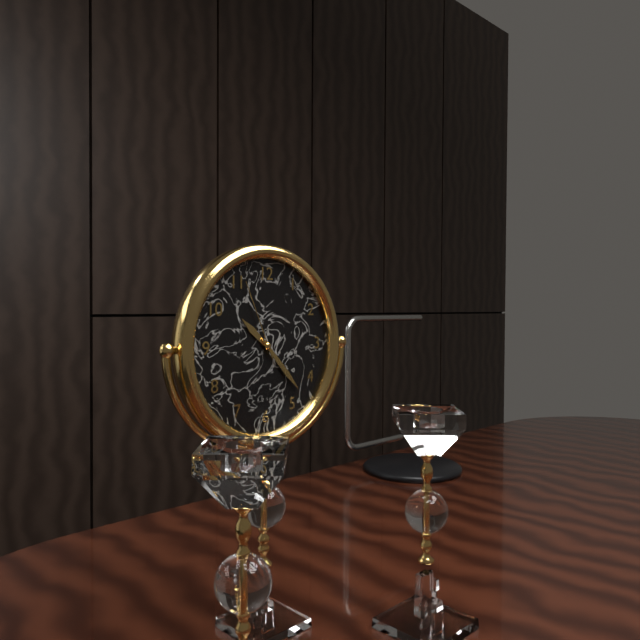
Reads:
10,23,56
